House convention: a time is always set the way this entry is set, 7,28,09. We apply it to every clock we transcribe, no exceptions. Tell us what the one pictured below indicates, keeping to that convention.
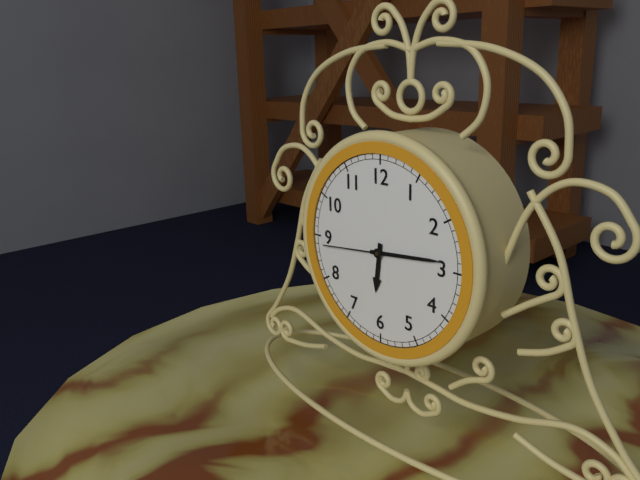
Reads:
6,14,44
